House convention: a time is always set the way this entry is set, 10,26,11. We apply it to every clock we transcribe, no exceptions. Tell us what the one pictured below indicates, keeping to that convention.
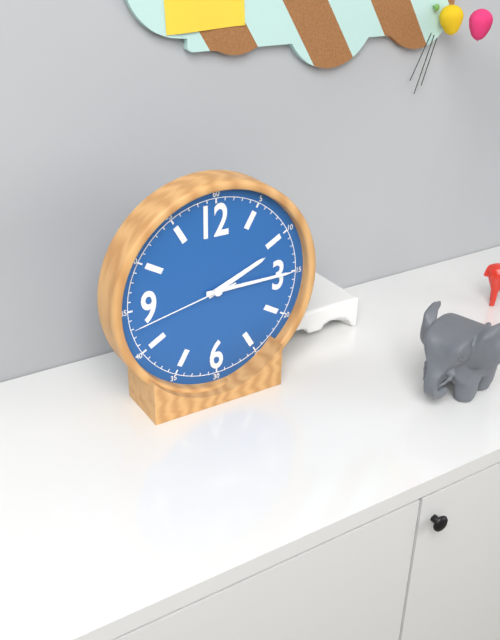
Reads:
2,15,43
